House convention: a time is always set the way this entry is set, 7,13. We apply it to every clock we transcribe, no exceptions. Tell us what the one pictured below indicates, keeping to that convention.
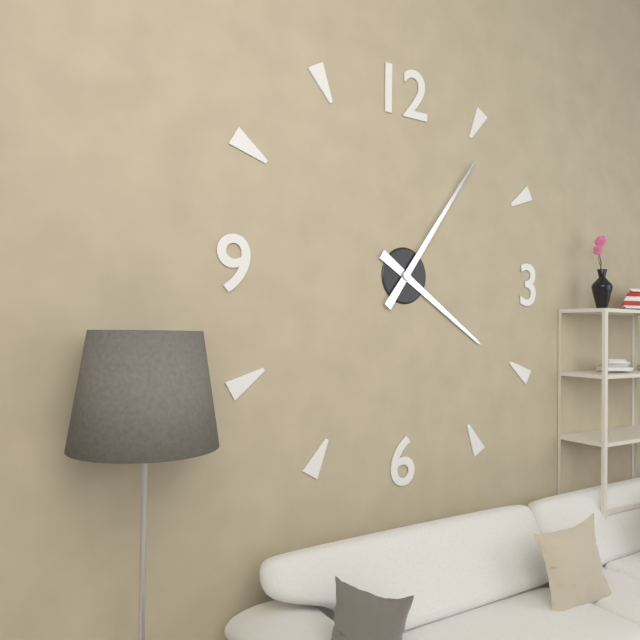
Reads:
4,06
